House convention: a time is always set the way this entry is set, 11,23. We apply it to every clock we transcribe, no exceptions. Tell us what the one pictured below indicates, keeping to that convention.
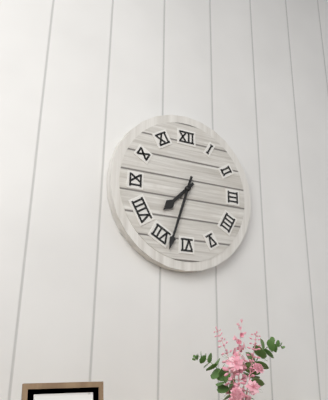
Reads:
7,33
